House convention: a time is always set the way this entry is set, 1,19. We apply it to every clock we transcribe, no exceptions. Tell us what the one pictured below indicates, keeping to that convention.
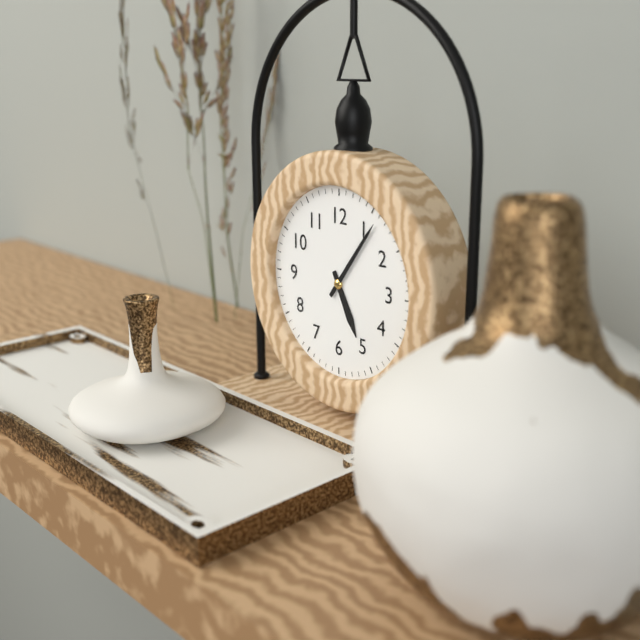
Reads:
5,06
